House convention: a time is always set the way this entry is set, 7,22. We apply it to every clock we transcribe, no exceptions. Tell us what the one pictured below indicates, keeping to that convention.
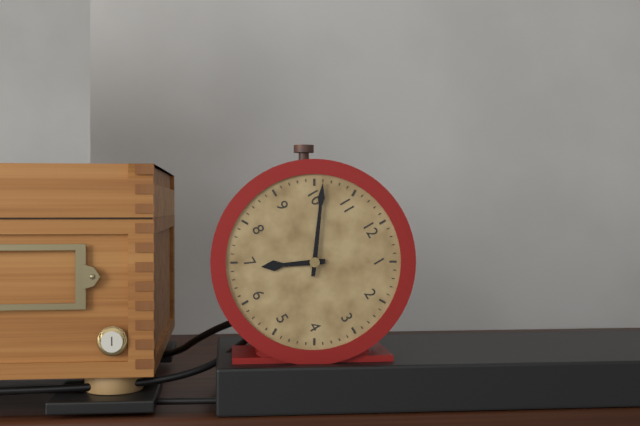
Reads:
6,51
